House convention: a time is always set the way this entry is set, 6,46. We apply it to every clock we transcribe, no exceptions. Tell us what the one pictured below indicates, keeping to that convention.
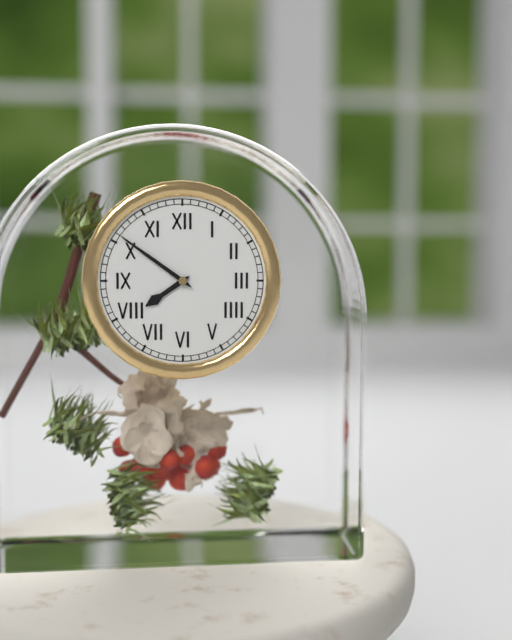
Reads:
7,51
